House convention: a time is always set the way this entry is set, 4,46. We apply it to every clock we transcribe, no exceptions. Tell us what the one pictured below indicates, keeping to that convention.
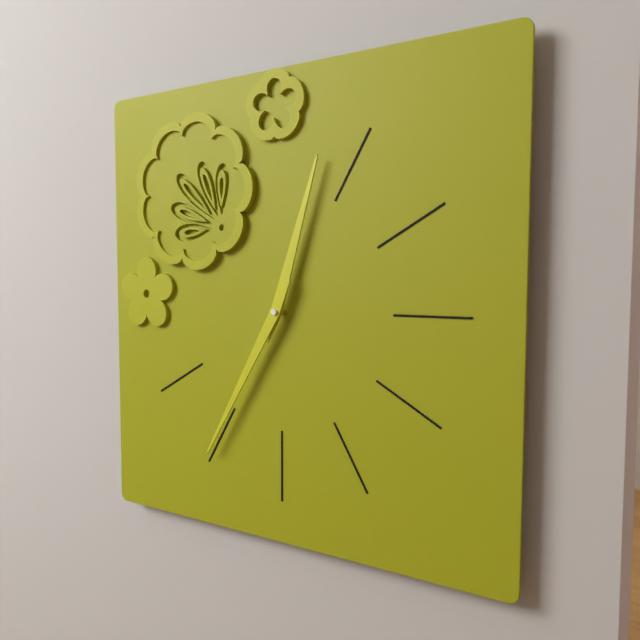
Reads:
12,35
